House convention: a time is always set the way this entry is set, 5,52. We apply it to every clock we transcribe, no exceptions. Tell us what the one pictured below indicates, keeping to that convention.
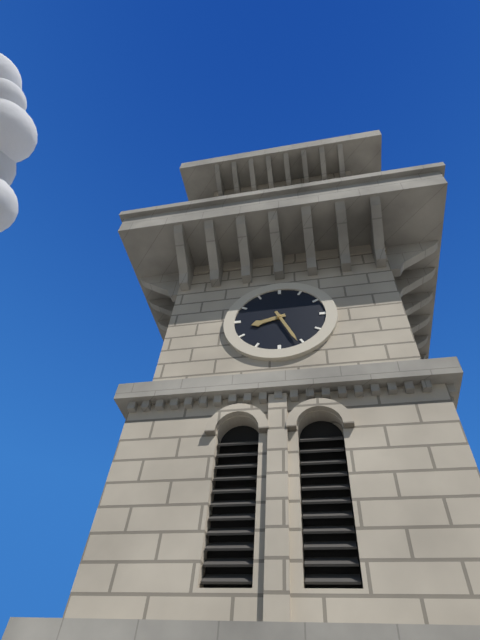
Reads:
8,26
